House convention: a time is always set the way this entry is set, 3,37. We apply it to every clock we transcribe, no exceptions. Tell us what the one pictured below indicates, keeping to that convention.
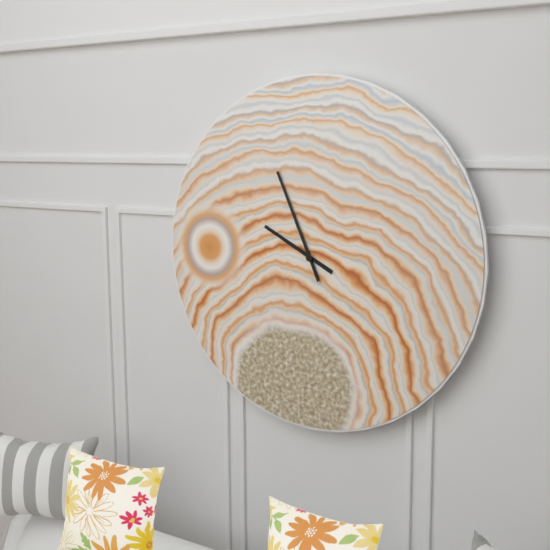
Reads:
9,56
